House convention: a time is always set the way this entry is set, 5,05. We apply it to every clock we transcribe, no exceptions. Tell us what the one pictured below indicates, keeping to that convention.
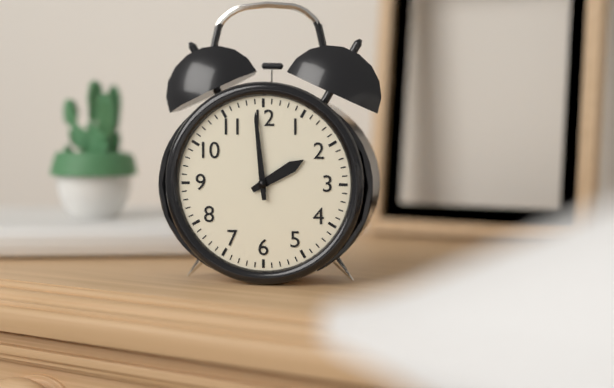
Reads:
1,59
